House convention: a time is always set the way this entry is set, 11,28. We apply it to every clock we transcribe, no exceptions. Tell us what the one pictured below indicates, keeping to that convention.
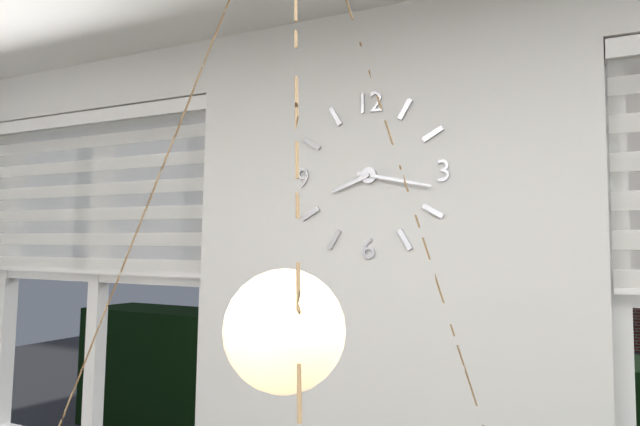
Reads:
8,17
